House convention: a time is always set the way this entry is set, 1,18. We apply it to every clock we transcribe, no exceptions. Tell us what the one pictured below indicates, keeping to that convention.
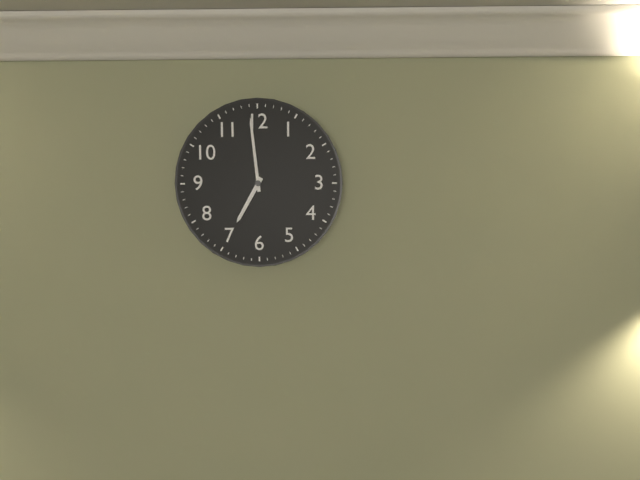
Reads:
6,59
